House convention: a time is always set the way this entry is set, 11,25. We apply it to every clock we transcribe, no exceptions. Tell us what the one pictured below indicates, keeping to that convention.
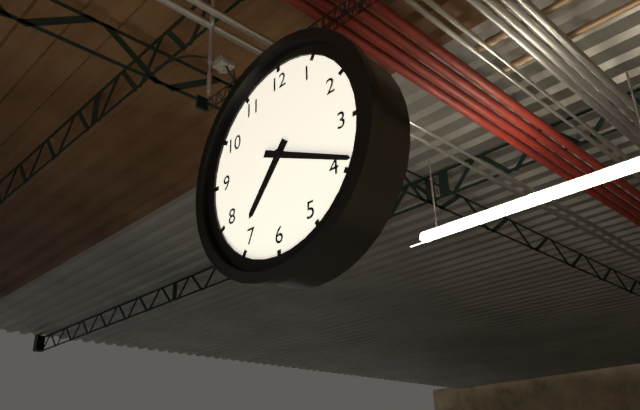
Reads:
7,19
